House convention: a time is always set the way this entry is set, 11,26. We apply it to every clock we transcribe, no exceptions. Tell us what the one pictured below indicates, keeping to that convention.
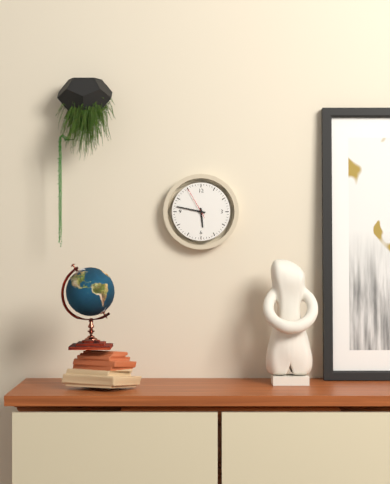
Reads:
5,47
